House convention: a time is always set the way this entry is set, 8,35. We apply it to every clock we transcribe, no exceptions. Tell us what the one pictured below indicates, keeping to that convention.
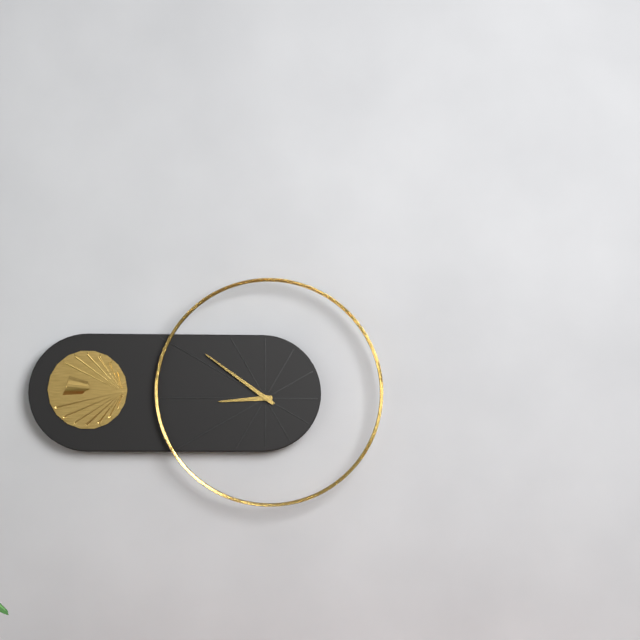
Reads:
8,51
